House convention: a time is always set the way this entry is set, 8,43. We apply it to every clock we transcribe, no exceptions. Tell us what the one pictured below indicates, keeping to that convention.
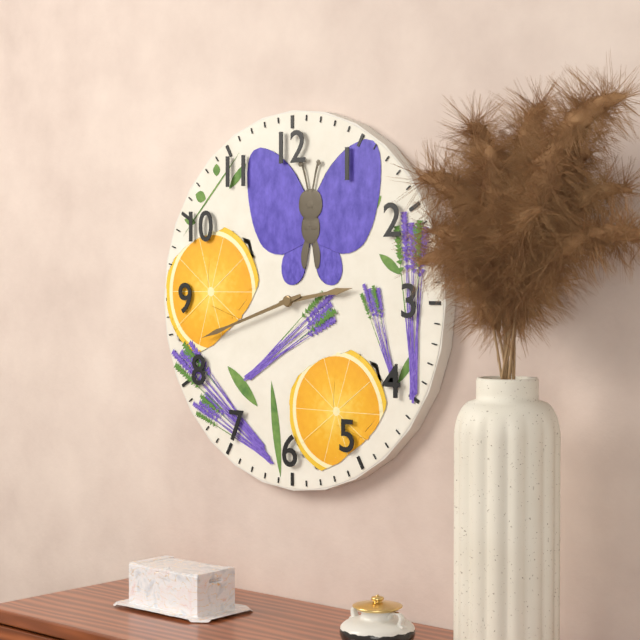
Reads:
2,42
